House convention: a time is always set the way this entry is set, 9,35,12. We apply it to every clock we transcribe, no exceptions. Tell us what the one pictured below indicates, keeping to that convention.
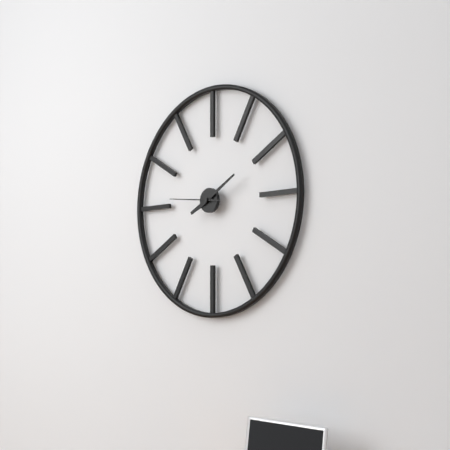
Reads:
8,10,46
